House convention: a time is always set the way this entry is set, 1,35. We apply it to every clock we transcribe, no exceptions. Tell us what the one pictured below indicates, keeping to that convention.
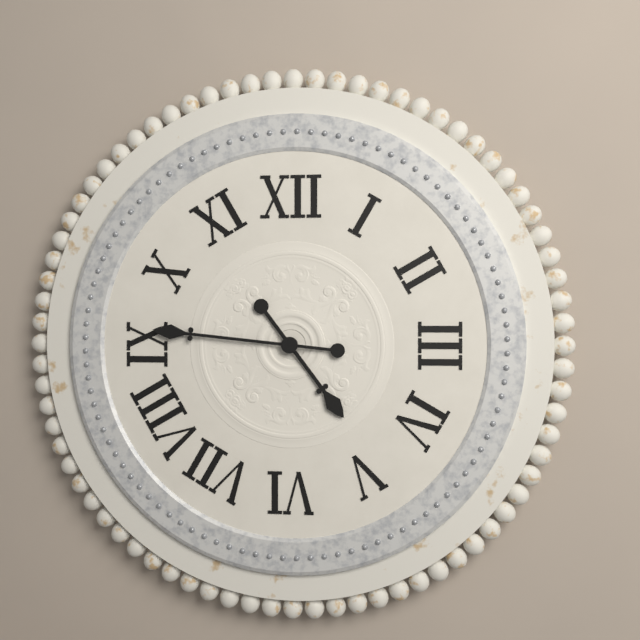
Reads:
4,46
